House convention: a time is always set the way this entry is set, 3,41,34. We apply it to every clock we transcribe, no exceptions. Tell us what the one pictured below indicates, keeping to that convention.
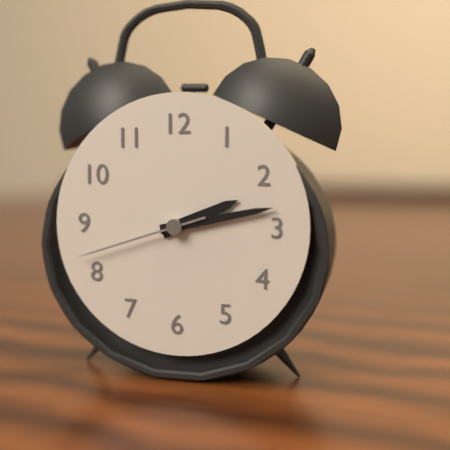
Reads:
2,13,42
